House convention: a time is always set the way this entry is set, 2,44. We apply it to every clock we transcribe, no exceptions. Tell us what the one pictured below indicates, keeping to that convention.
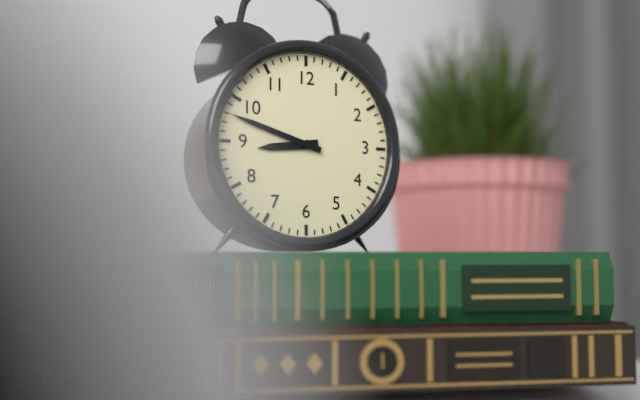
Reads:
8,48
